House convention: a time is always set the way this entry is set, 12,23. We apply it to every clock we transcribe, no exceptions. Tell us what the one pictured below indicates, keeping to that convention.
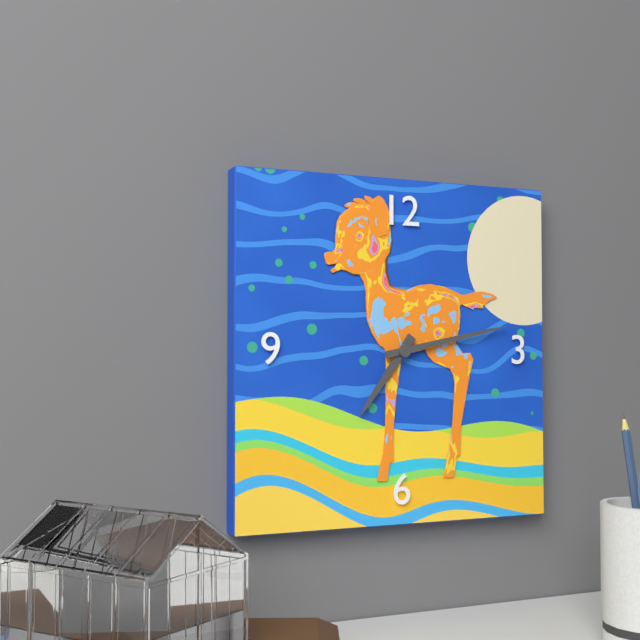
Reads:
7,13
